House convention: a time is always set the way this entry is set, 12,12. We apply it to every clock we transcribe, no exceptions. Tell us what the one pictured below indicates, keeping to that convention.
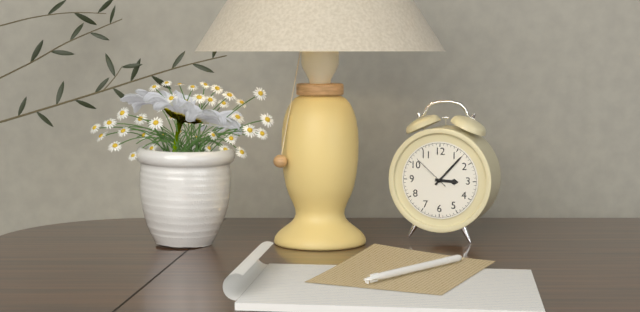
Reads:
3,07
